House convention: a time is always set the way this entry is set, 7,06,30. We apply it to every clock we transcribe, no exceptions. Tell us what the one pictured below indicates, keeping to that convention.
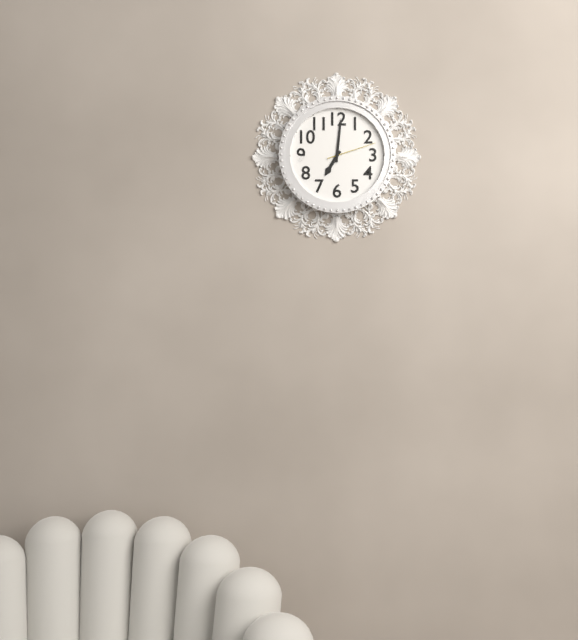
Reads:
7,01,12
